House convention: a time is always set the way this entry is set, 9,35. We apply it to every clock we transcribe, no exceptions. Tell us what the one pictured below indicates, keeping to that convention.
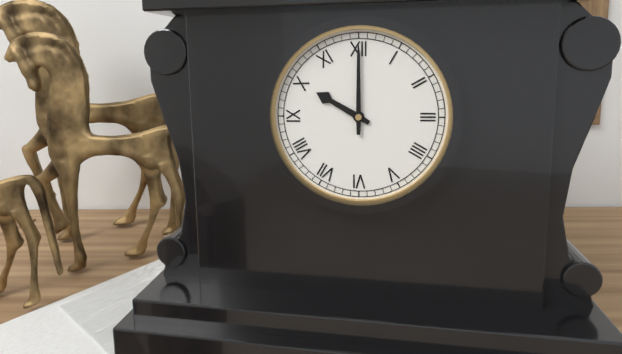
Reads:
10,00
